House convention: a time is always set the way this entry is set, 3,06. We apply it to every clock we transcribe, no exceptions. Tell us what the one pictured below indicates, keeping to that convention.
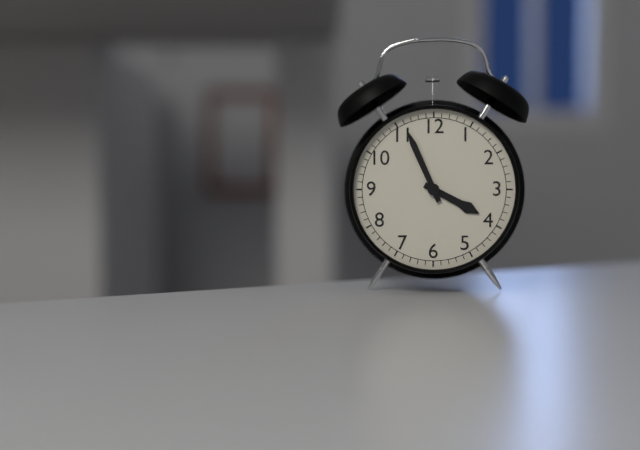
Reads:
3,56
